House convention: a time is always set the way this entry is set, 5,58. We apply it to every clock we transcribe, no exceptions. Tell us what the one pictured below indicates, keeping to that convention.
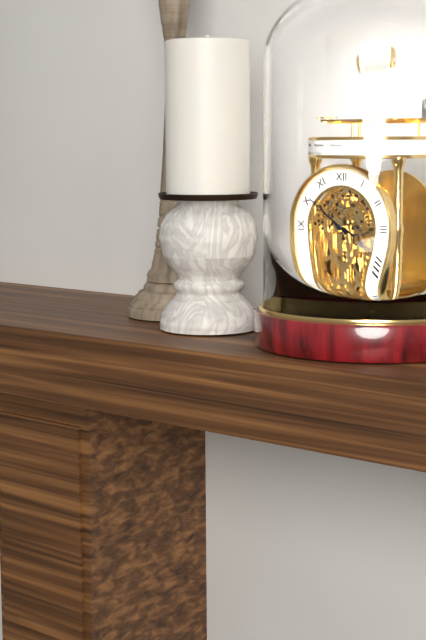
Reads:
3,51
